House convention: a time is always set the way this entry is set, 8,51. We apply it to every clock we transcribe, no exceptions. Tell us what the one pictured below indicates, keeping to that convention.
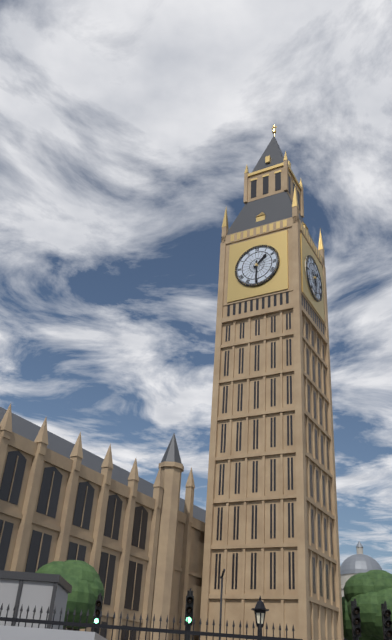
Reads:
1,30
